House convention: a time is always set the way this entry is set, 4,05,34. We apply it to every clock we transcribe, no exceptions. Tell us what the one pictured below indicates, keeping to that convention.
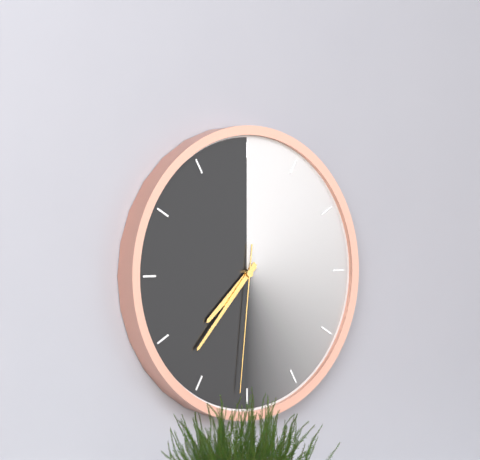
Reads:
7,37,31
